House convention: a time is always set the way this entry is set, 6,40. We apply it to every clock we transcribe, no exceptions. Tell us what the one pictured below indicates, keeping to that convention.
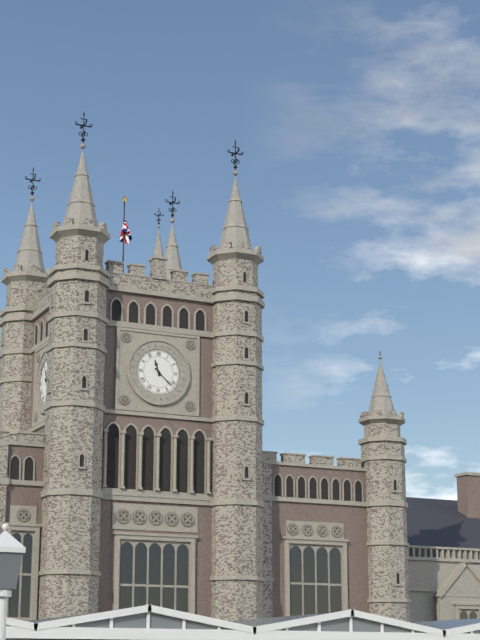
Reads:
11,22
